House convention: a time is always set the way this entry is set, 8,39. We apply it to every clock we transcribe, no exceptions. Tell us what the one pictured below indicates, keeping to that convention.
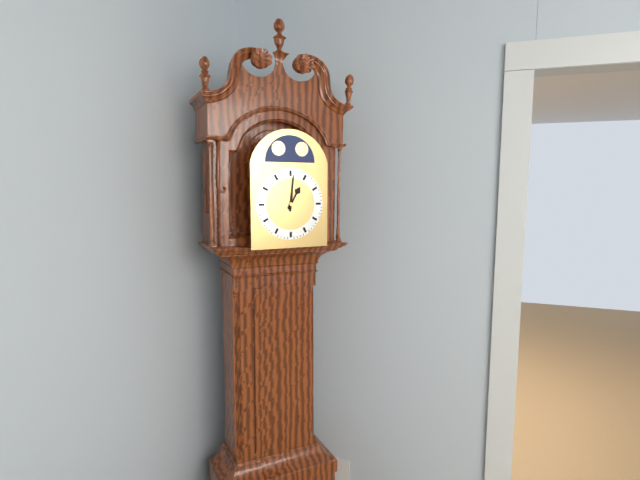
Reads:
1,01
